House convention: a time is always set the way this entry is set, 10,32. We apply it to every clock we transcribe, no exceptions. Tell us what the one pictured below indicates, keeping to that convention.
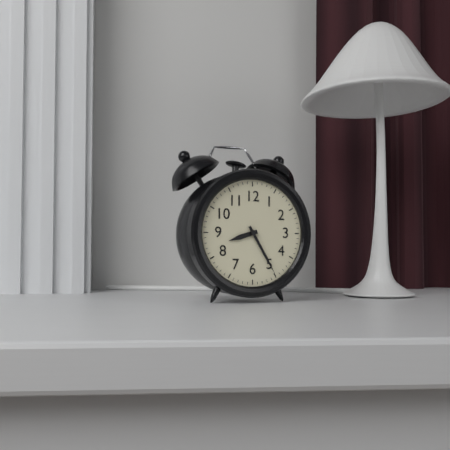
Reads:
8,25
